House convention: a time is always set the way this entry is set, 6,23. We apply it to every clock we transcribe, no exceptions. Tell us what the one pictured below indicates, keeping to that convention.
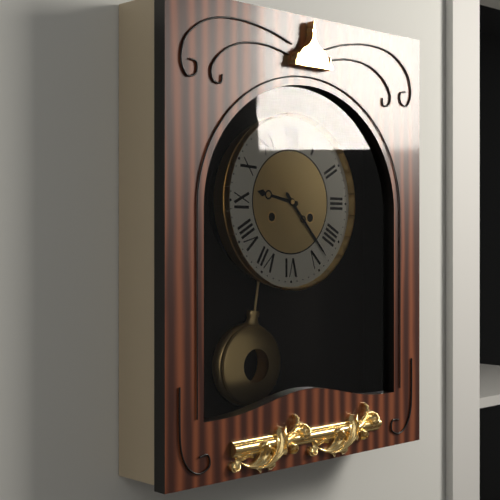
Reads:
9,23
